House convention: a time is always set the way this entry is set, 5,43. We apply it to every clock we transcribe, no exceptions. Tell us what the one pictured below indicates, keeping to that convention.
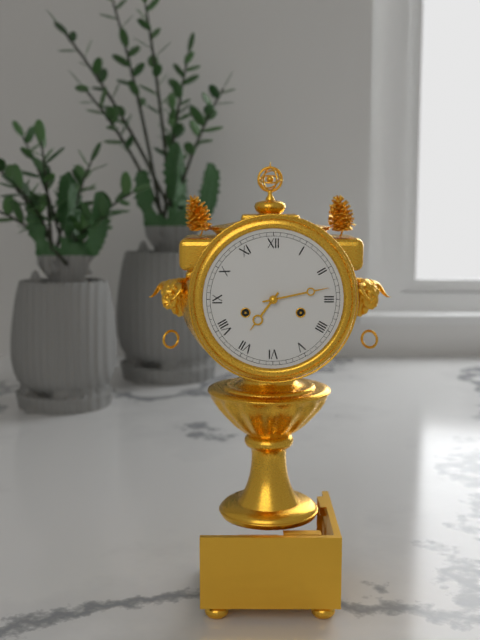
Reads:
7,13
